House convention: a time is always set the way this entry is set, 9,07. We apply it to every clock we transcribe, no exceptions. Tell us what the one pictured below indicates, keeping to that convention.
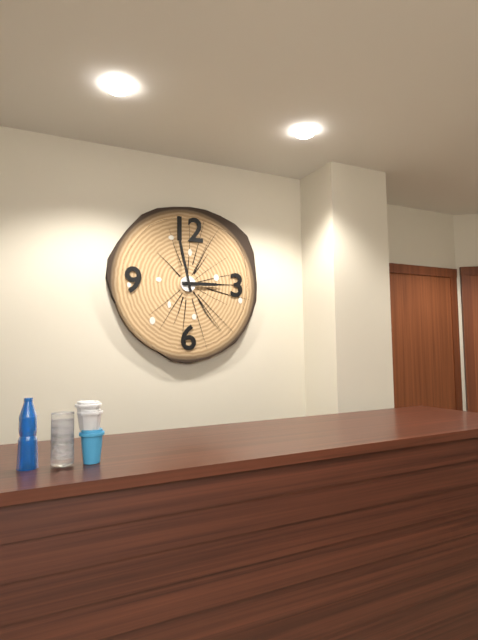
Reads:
2,58
